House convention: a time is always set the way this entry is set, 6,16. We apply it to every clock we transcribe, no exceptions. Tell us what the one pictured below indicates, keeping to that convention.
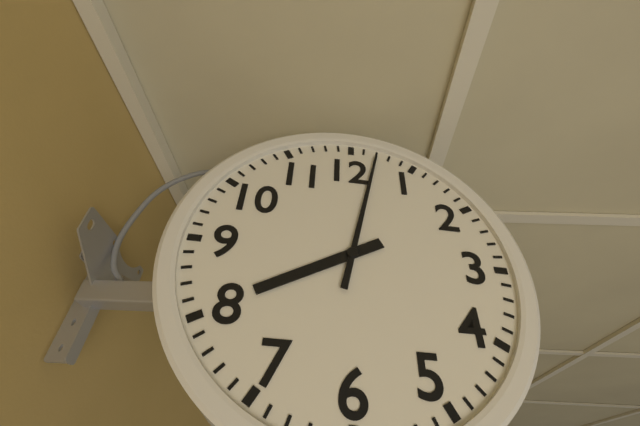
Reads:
8,02
